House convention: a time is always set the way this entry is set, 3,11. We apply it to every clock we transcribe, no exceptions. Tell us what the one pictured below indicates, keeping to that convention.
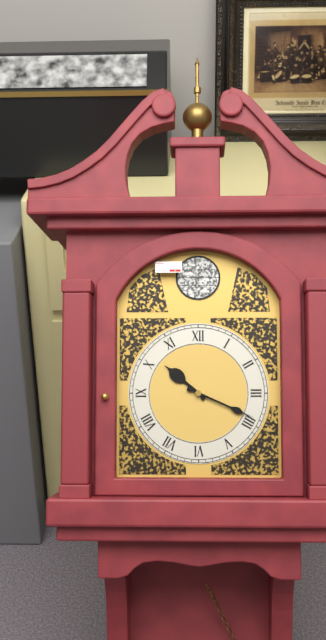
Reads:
10,19
